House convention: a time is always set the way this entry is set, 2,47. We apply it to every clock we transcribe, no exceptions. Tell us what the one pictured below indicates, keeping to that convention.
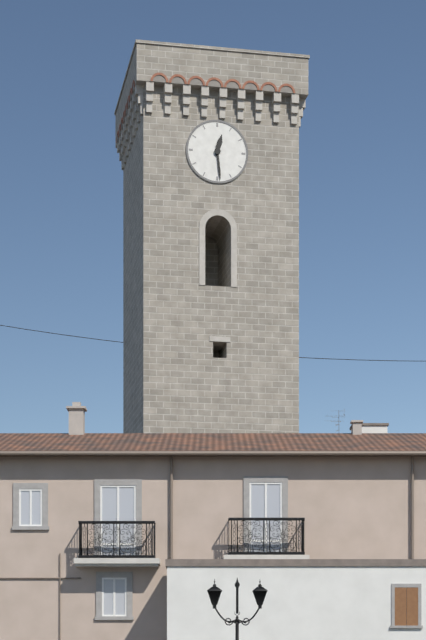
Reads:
12,29
